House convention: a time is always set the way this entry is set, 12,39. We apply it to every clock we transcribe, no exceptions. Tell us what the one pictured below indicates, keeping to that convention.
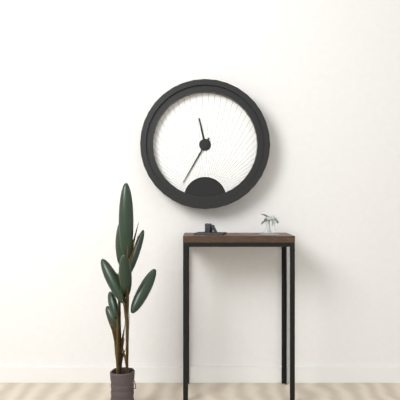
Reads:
11,35
